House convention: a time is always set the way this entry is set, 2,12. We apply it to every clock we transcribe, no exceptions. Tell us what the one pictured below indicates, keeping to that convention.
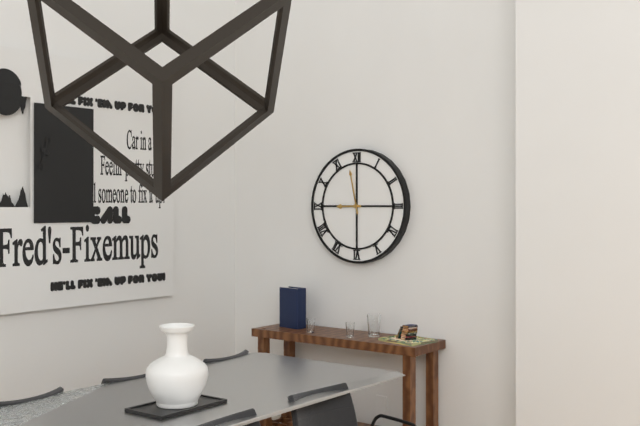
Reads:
8,58
